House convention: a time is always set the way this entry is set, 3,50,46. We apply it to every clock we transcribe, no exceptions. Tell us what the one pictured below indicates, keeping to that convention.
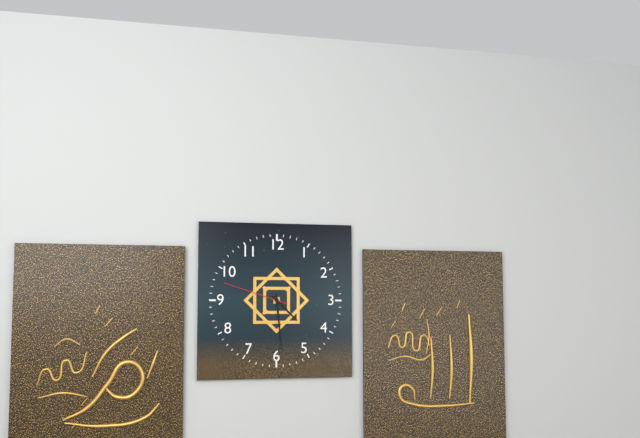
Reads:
4,29,48
